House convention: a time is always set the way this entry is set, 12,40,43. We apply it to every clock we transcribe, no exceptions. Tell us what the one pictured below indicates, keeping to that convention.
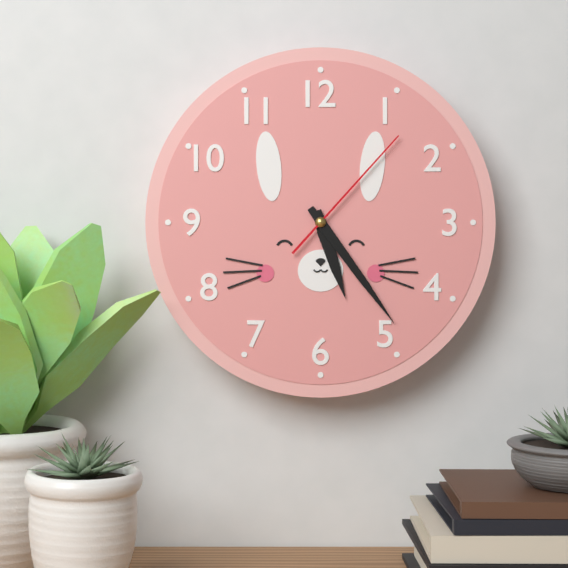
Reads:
5,24,07
